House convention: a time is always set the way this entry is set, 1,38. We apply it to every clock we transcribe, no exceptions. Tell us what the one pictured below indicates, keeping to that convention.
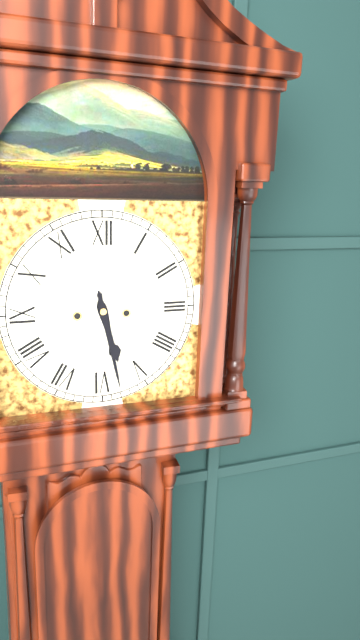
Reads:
5,28
